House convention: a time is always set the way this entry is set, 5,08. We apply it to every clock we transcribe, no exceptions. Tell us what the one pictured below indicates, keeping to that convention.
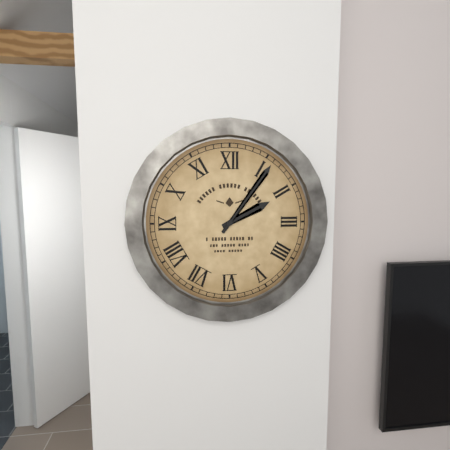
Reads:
2,06
